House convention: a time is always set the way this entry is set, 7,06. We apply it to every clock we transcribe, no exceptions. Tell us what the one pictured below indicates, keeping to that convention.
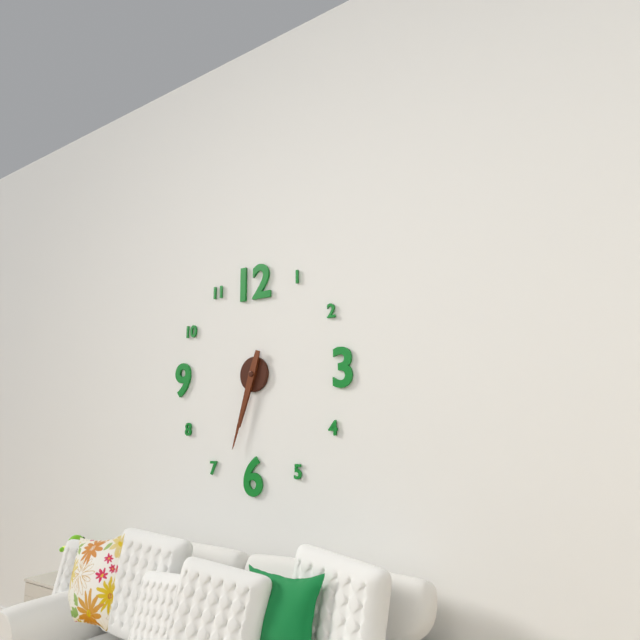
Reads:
6,33
